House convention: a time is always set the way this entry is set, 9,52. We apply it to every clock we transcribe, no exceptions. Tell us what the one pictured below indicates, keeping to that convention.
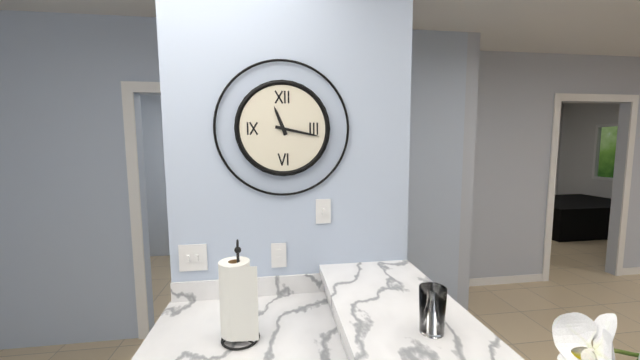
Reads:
11,17
